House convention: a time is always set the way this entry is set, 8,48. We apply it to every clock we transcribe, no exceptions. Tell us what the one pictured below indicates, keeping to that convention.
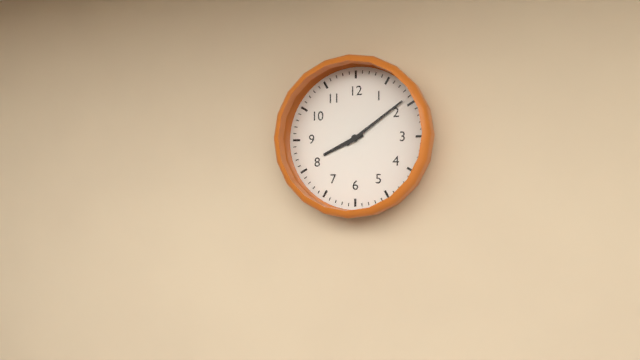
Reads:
8,09
